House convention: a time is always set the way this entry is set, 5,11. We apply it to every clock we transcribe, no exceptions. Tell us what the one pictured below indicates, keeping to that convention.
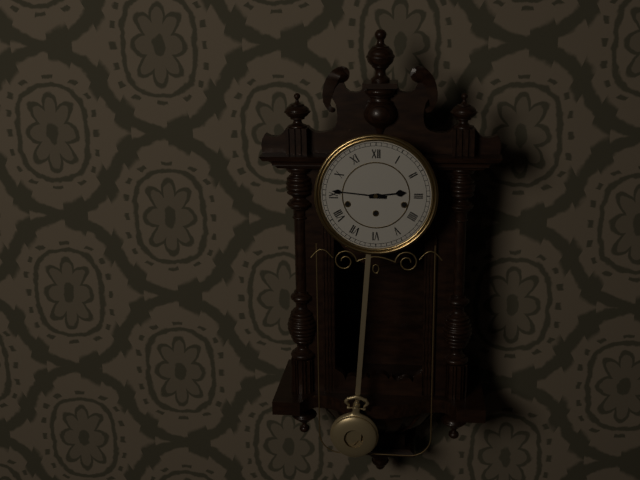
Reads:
2,46
